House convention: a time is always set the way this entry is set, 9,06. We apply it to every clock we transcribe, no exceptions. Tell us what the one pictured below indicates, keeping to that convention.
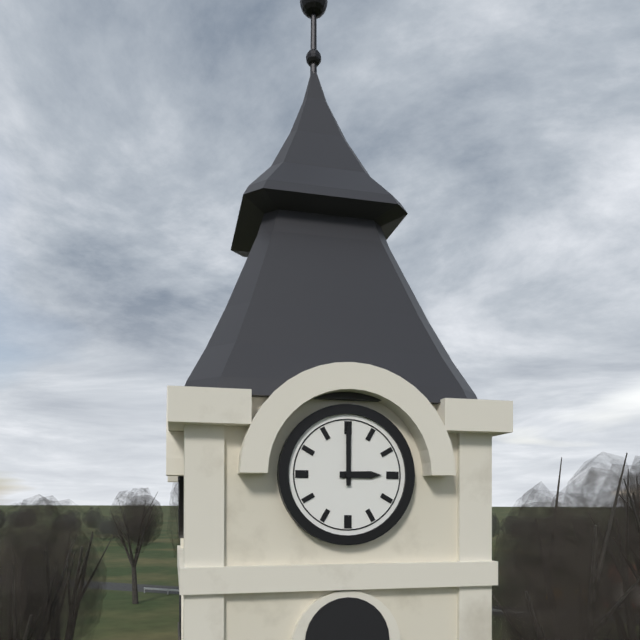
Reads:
3,00
